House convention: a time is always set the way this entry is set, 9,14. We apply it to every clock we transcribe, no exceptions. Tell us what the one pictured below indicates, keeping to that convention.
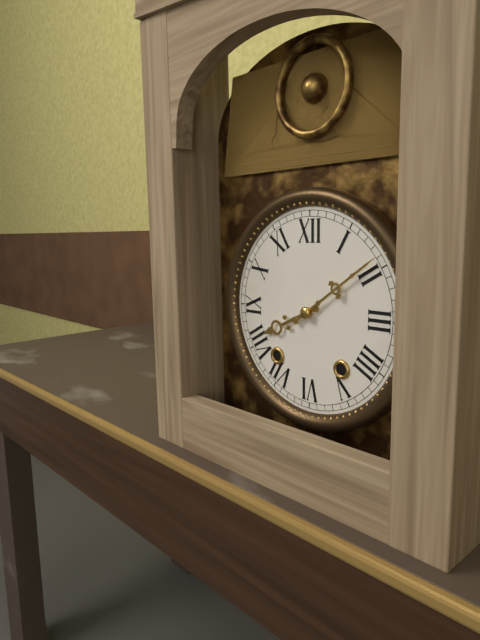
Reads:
8,09
